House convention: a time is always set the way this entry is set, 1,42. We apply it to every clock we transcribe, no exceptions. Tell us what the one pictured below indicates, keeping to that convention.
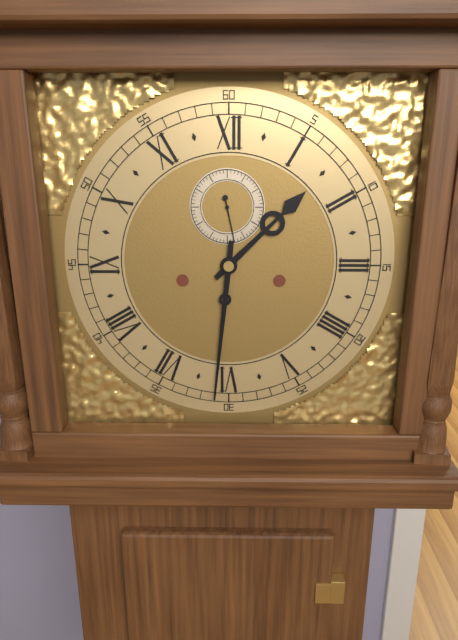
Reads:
1,31
